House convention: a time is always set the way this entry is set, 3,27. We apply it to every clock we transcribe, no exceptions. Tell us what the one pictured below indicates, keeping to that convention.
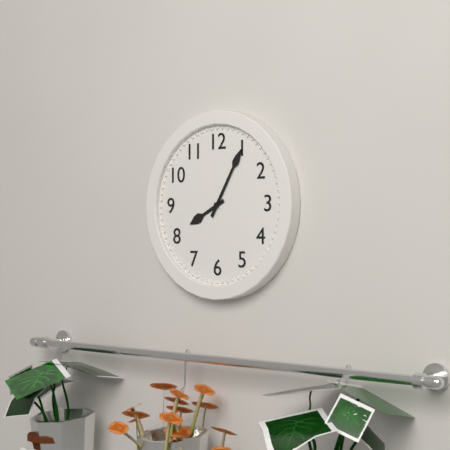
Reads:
8,05
